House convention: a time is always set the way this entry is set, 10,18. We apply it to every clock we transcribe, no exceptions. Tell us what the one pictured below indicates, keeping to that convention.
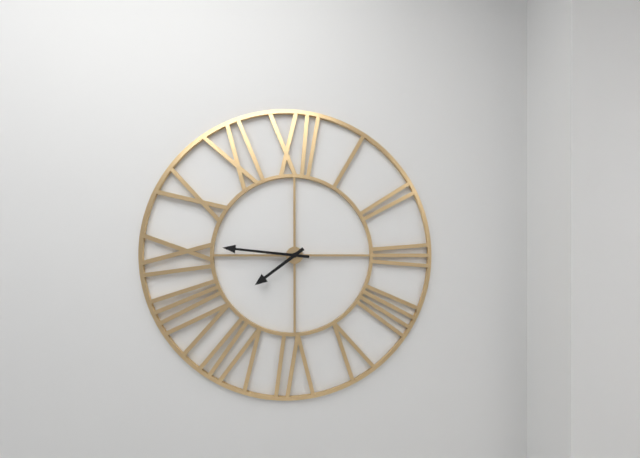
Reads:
7,46
